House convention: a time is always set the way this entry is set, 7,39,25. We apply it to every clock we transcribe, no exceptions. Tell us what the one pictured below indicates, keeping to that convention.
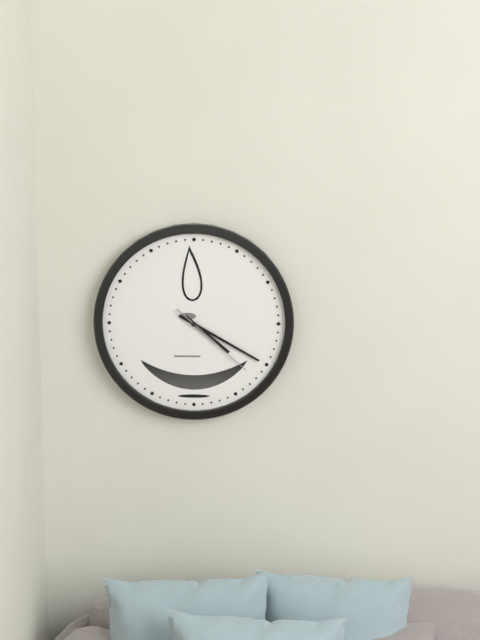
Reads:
4,20,22
